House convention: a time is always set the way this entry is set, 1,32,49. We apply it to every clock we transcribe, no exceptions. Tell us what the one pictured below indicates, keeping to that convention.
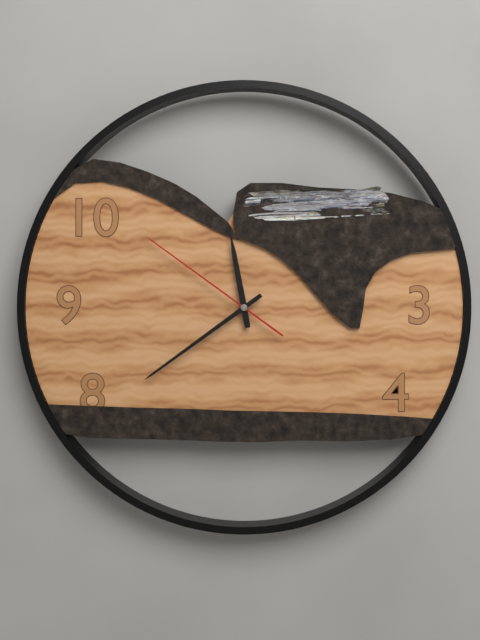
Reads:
11,39,51
